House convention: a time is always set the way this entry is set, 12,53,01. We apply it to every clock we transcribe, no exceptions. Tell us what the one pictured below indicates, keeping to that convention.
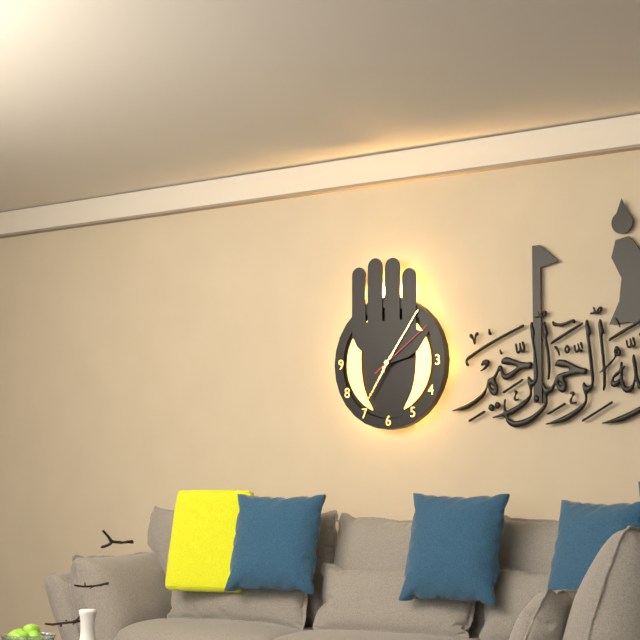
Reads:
7,06,09
